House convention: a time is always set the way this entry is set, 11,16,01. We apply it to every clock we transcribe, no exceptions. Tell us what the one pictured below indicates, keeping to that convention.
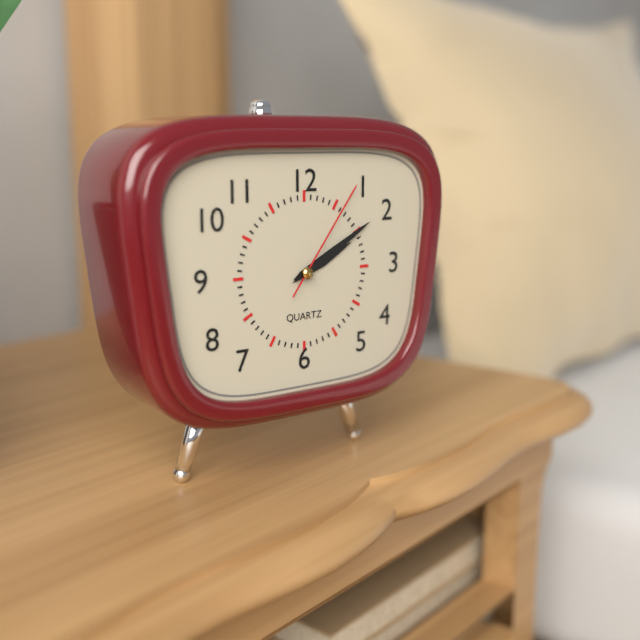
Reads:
2,10,06
